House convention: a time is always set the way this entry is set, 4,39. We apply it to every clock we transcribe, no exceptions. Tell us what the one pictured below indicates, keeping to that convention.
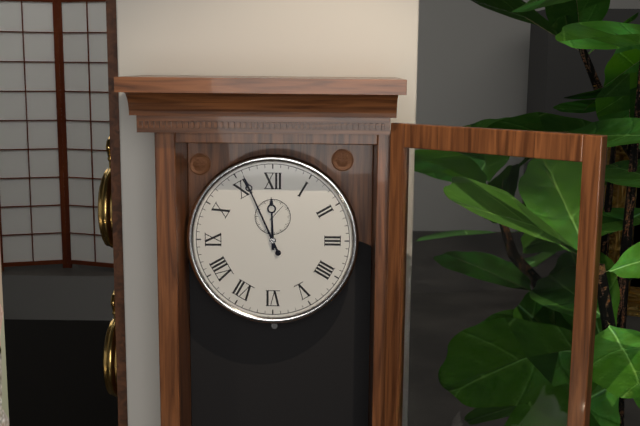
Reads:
11,56
